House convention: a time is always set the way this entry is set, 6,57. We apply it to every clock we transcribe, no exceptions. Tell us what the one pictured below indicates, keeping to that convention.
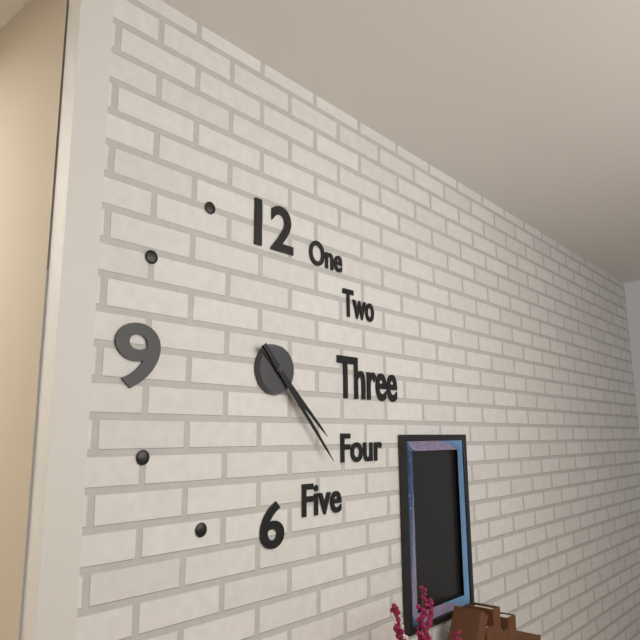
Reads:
4,23
